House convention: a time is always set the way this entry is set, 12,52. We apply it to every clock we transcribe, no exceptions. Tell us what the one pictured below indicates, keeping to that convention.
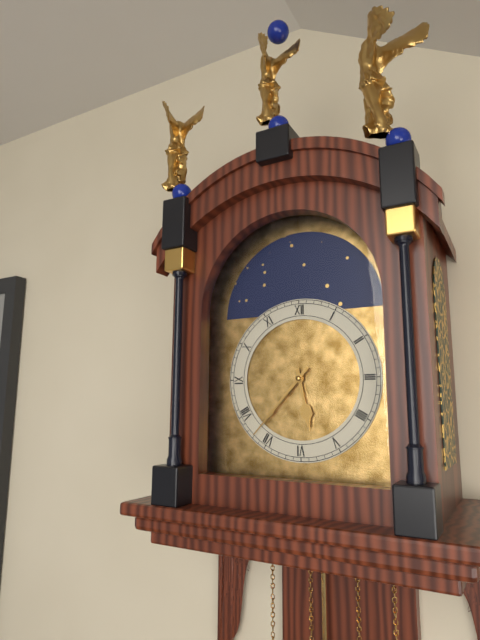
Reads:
5,37
